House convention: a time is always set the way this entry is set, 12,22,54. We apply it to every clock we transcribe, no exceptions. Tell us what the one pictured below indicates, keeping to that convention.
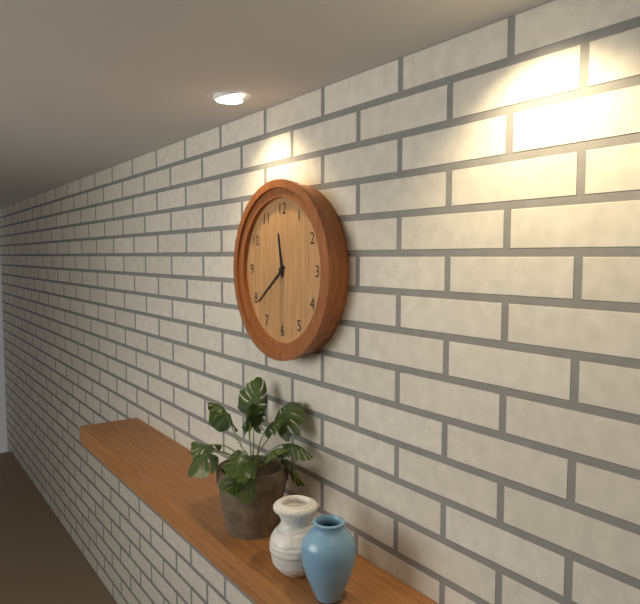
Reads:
11,39,30
